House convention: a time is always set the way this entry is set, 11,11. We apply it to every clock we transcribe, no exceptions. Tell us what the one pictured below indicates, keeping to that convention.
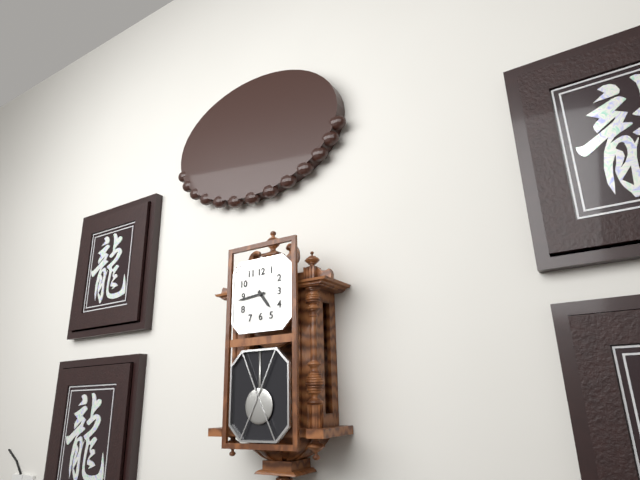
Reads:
4,44
